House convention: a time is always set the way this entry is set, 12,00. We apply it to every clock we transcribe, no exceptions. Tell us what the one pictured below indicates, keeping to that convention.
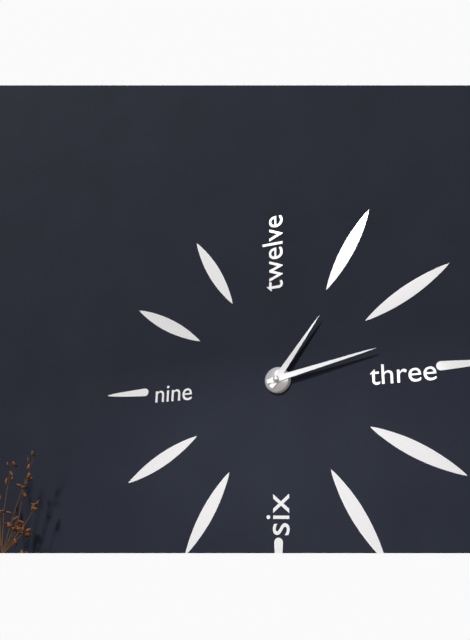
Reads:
1,13
